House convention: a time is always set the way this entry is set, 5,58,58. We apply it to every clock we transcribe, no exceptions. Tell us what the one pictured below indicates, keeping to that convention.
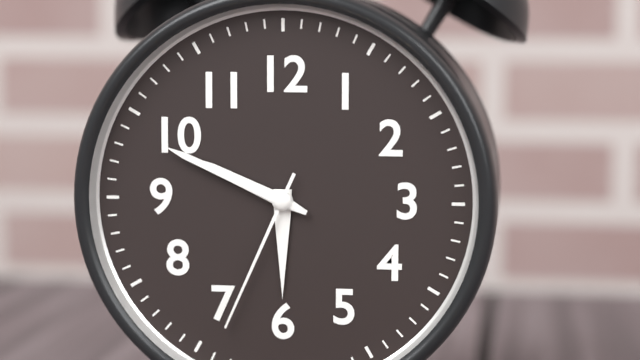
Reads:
9,49,34
